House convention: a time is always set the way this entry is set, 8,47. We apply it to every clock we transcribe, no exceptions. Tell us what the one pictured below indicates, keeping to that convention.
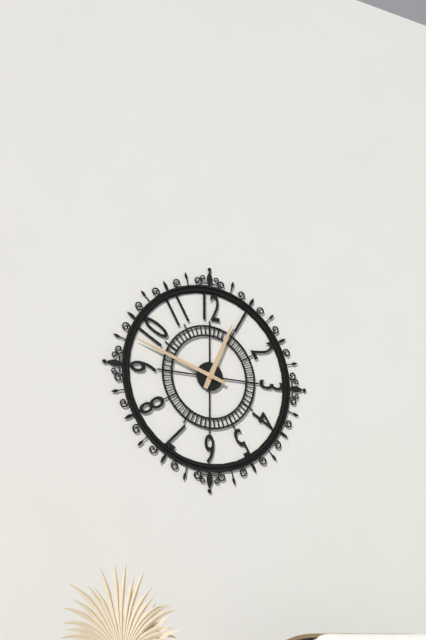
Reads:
12,48
